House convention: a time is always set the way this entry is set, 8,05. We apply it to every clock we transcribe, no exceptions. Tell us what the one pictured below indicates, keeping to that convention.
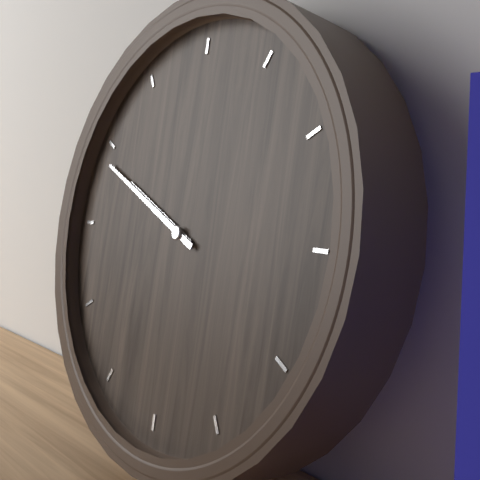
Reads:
9,49
